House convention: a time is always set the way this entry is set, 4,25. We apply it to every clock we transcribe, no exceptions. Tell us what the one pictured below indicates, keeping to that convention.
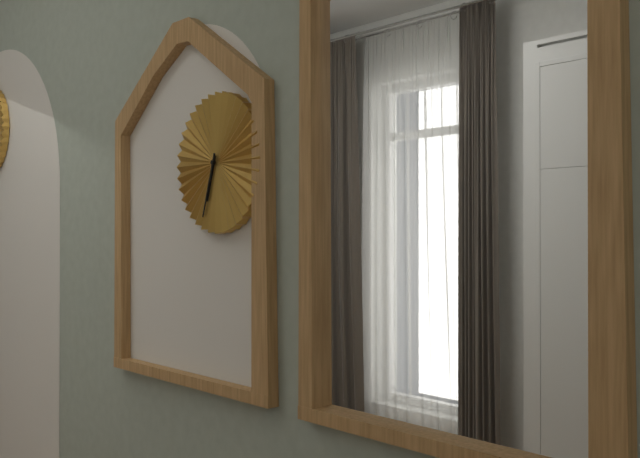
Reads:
6,33
